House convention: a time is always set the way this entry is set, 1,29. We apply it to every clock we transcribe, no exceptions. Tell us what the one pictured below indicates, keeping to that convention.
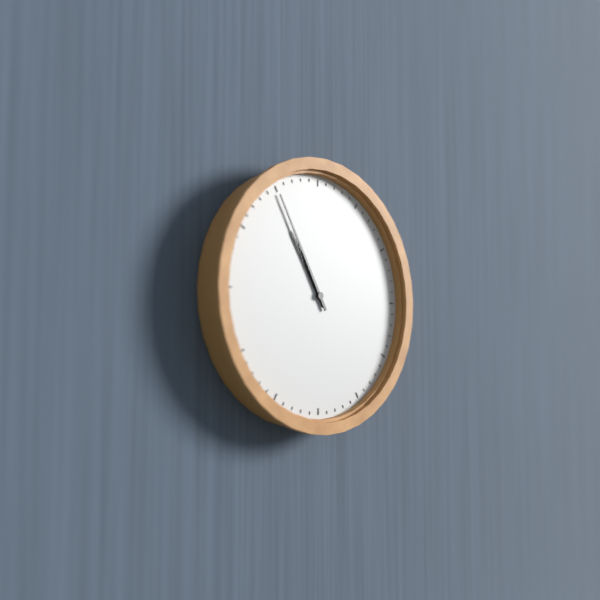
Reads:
10,55
